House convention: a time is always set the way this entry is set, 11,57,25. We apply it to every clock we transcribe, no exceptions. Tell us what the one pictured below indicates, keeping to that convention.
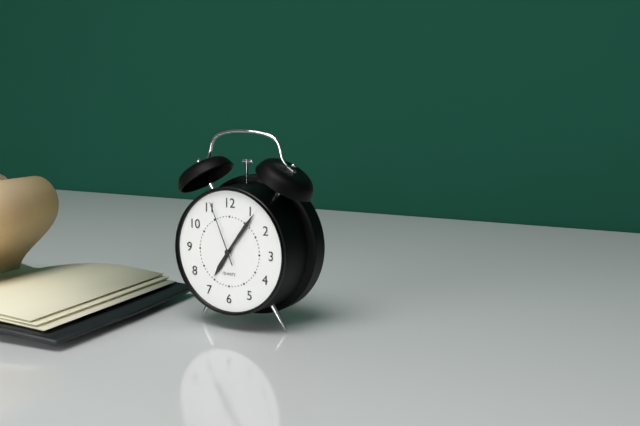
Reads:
7,06,56
